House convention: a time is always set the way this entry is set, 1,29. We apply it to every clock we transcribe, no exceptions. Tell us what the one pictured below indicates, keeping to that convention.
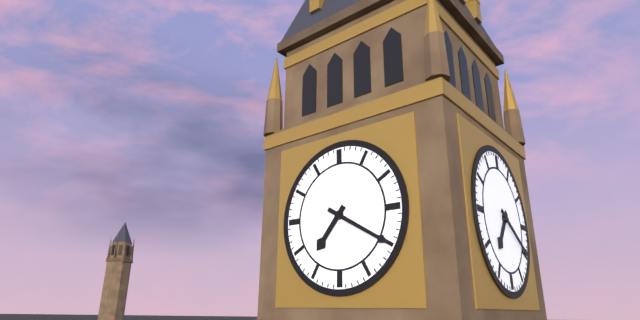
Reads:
7,20
